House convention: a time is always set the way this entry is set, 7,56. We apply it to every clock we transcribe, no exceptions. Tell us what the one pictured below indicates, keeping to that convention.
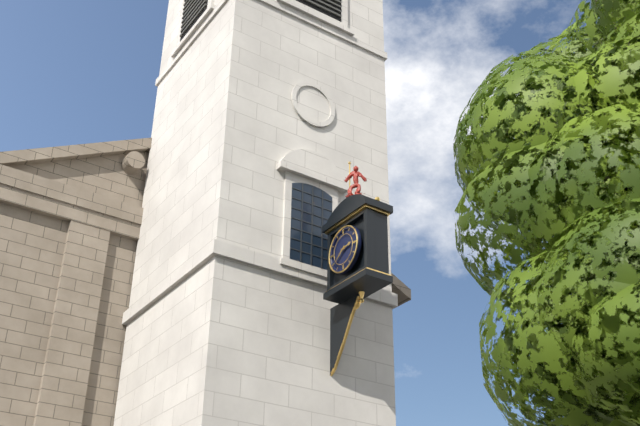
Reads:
2,39
